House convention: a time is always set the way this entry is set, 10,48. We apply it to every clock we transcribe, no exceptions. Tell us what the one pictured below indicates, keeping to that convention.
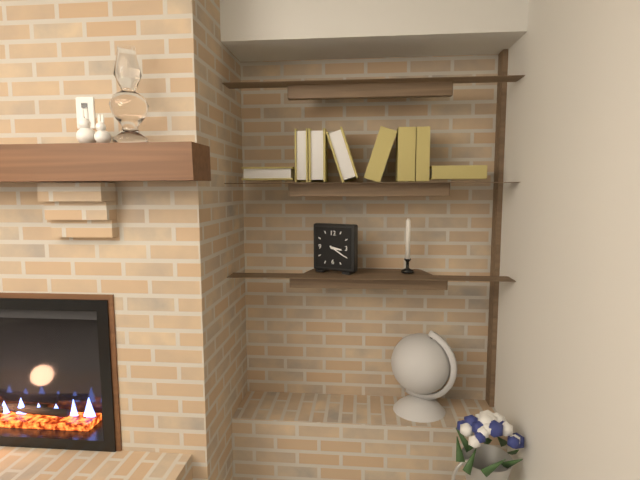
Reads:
3,20
